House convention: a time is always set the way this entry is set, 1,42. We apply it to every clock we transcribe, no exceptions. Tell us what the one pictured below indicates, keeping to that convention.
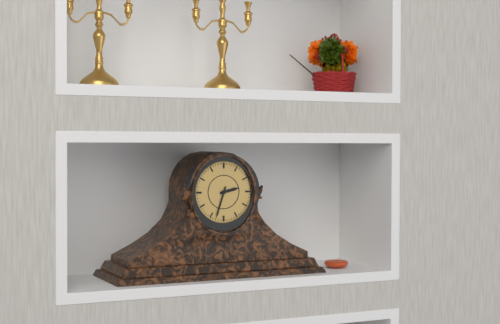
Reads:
2,33
